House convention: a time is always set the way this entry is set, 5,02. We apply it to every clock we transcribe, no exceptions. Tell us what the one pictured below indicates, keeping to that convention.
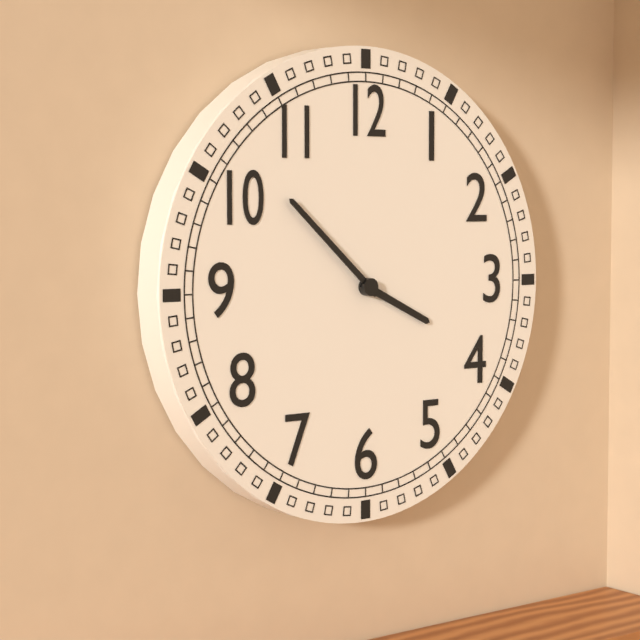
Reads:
3,52
